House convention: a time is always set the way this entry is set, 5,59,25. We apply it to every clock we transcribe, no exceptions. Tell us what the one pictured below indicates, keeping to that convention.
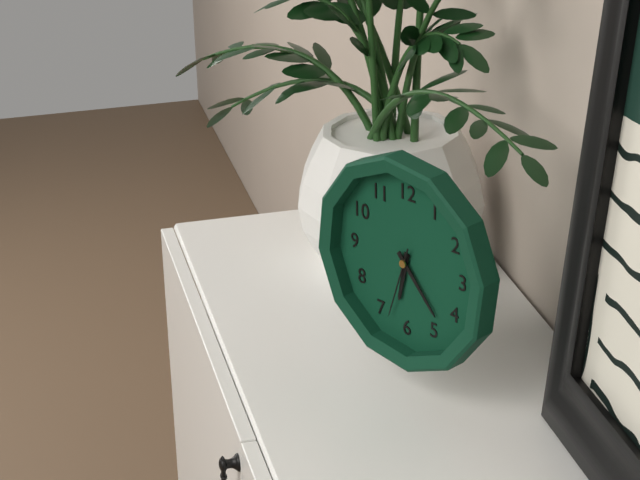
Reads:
6,23,33
